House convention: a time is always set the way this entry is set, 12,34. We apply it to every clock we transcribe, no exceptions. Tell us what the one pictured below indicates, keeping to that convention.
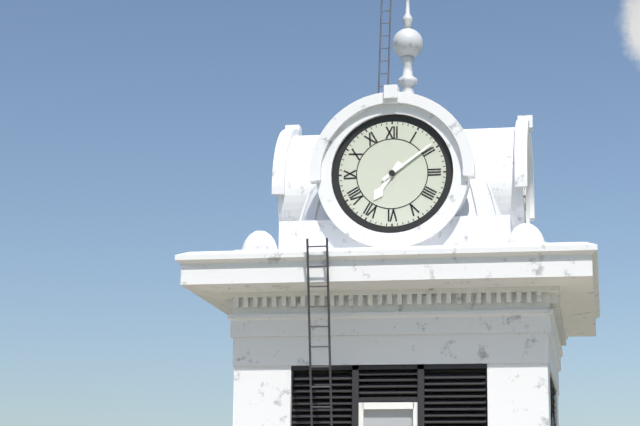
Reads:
7,09
